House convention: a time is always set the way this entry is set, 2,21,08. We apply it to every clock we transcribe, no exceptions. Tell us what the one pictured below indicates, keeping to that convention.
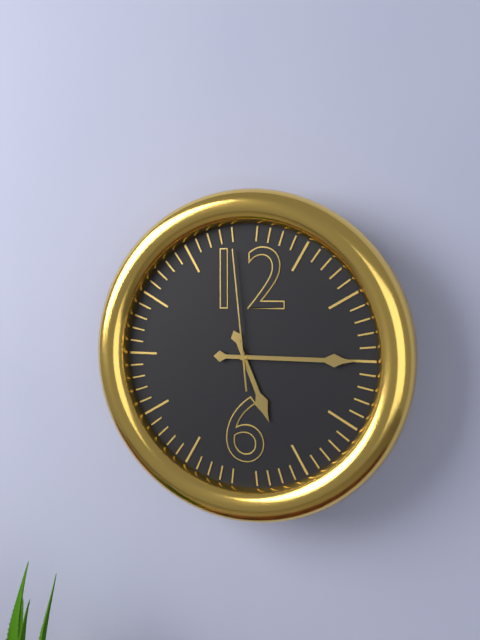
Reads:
5,15,59
